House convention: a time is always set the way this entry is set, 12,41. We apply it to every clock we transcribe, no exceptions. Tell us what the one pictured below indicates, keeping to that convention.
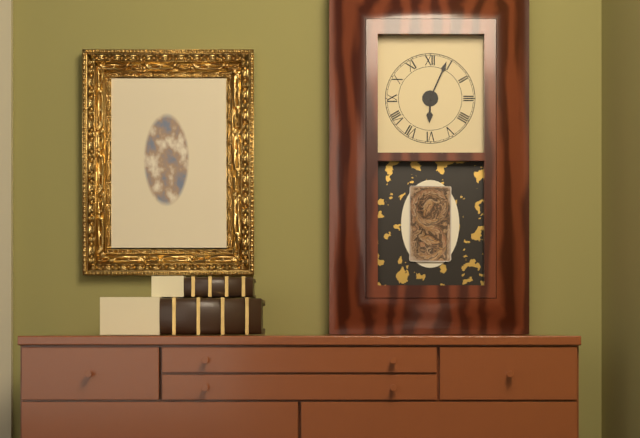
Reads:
6,04
